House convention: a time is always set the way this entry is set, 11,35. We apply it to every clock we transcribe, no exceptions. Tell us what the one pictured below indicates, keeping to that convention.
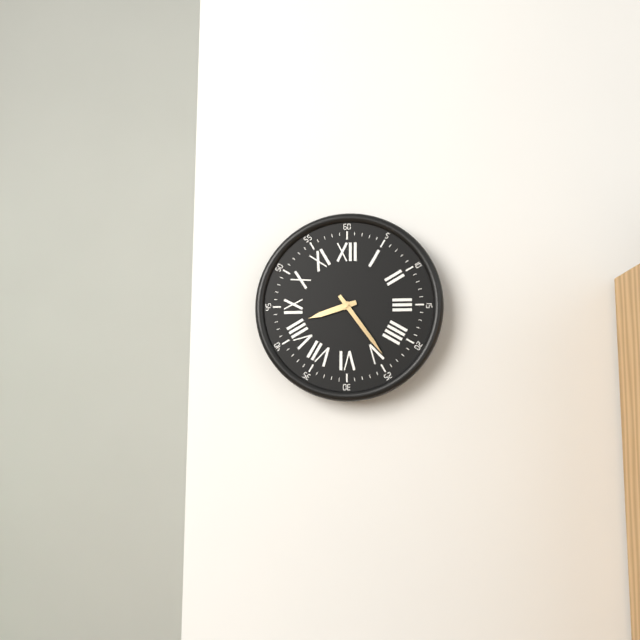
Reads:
8,24
